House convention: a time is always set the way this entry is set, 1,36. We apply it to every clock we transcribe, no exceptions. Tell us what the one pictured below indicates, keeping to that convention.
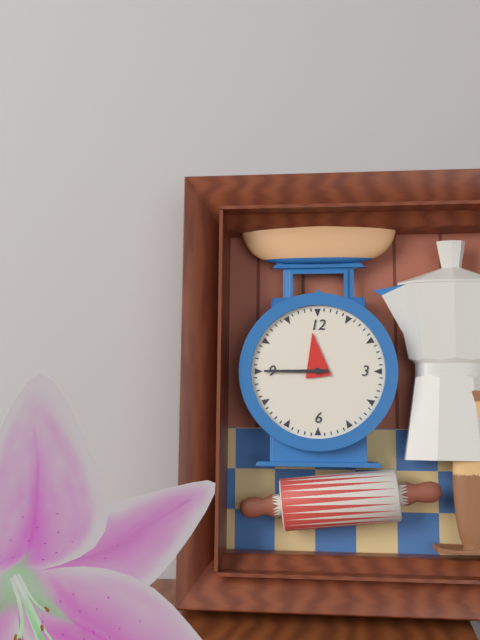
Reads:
11,45
